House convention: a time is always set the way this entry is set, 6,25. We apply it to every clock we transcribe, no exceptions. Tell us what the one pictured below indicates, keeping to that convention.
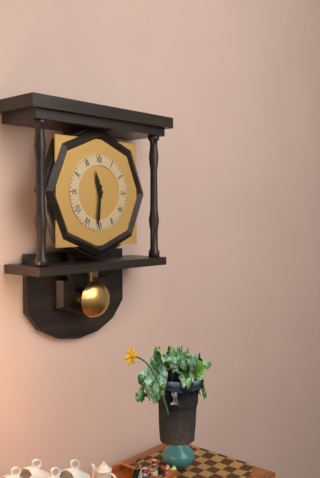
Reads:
11,31
